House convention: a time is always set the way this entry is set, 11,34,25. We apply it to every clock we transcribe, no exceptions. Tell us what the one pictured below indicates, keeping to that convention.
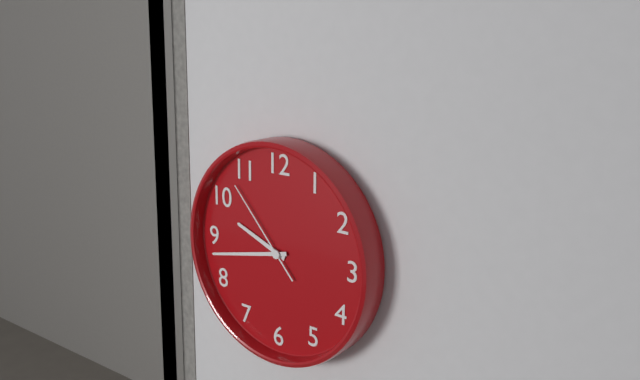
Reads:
9,43,53
